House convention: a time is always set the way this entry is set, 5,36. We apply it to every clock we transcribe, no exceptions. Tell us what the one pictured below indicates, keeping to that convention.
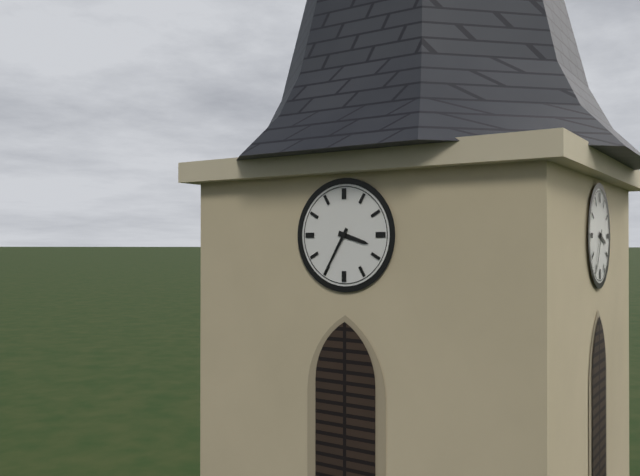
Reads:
3,35
